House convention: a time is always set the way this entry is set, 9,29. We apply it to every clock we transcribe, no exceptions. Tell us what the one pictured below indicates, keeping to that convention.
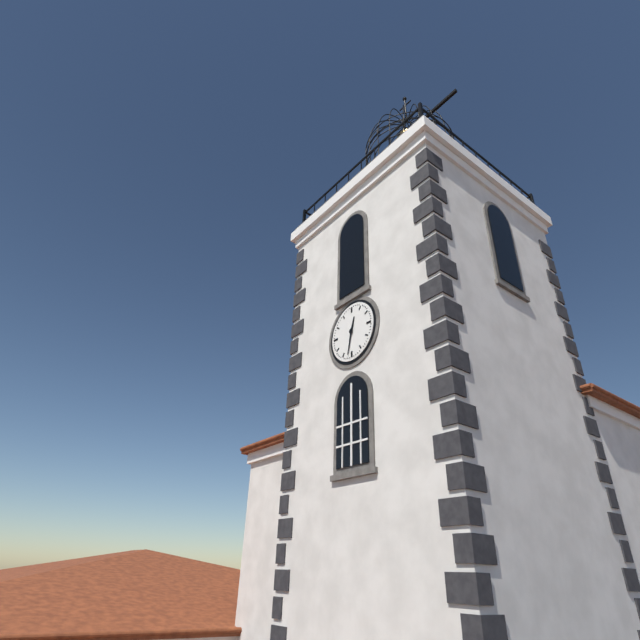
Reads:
12,32
